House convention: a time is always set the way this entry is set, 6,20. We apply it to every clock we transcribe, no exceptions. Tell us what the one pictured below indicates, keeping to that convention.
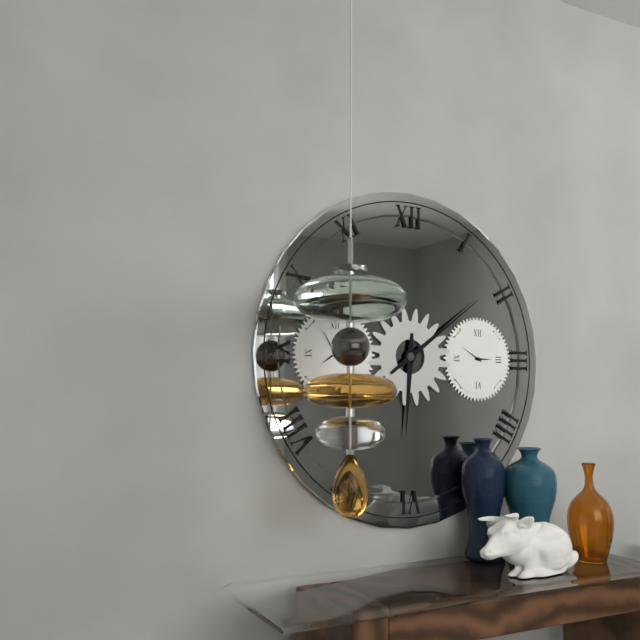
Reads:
6,09
